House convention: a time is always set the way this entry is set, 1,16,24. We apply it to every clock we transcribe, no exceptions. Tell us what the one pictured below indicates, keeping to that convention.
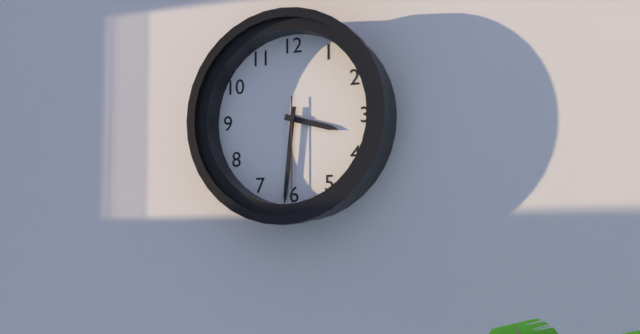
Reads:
3,31,30
